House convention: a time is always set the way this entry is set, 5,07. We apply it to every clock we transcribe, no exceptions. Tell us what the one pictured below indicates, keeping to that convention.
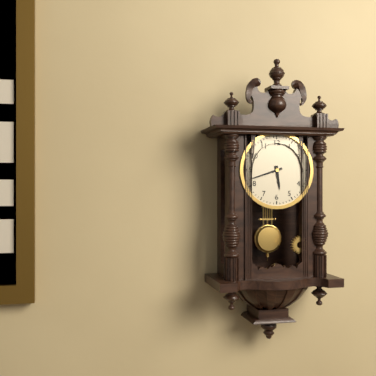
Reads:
5,42
